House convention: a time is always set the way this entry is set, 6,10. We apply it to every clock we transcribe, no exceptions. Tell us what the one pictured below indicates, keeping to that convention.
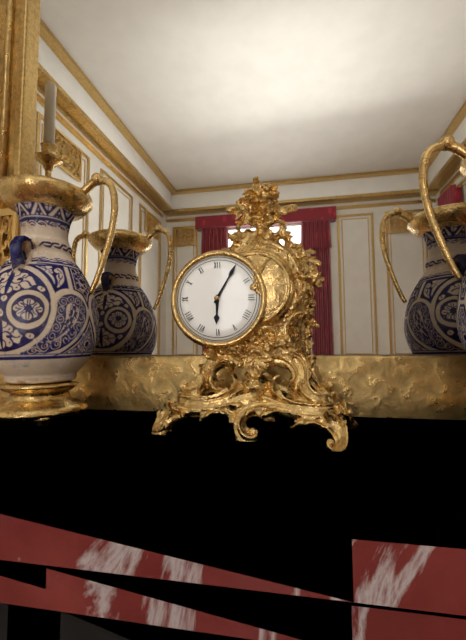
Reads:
6,05
